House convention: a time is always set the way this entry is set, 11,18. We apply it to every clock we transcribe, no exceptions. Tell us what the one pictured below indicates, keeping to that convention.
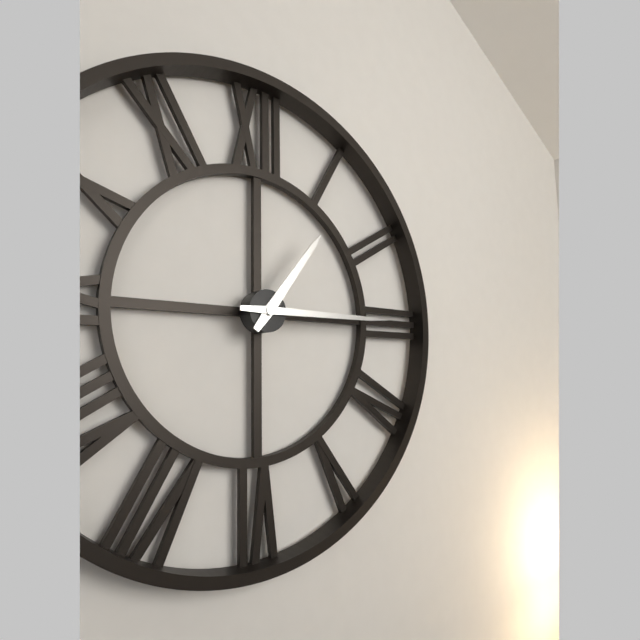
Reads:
1,15
